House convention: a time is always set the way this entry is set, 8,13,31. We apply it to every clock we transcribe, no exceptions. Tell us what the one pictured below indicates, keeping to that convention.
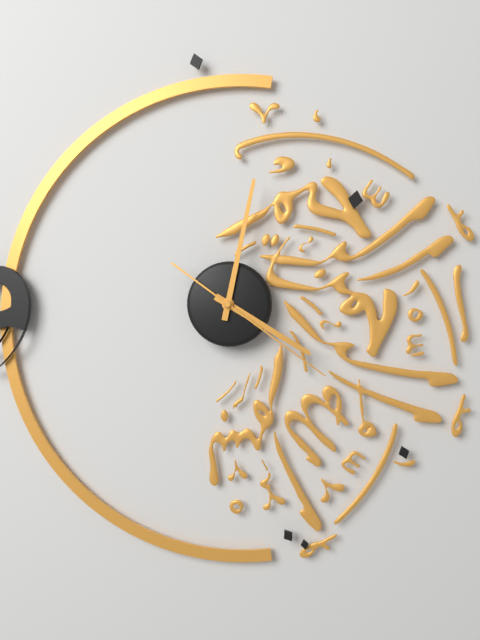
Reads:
4,02,21
